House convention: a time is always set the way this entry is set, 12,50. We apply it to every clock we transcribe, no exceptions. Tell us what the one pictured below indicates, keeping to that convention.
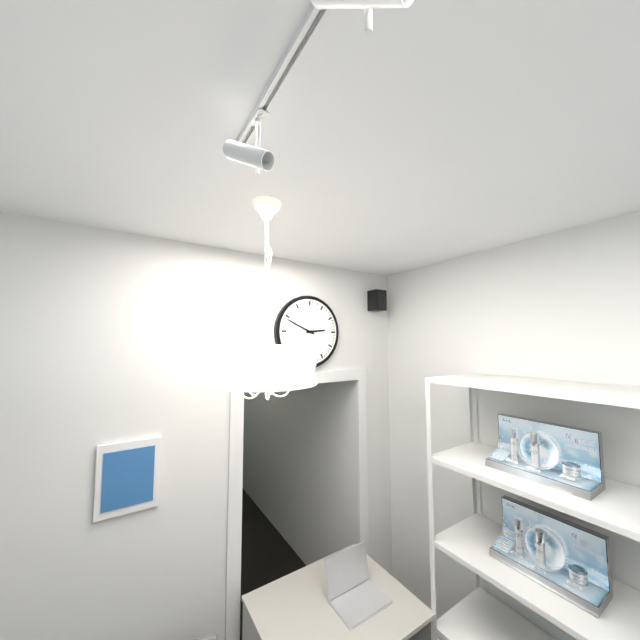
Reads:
2,49
